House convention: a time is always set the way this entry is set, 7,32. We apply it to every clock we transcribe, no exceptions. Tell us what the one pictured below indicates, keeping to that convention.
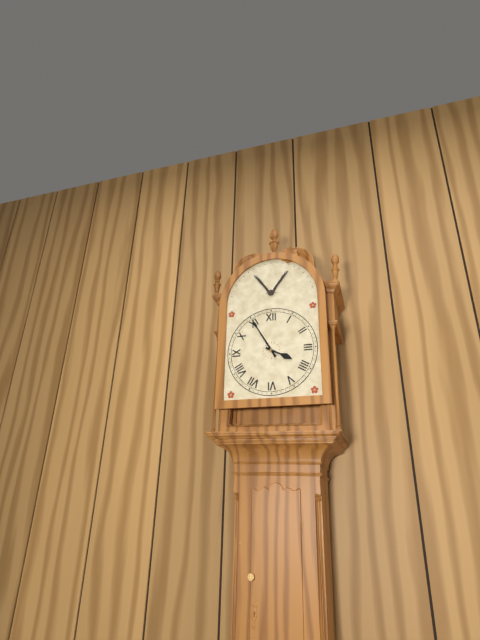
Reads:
3,55
